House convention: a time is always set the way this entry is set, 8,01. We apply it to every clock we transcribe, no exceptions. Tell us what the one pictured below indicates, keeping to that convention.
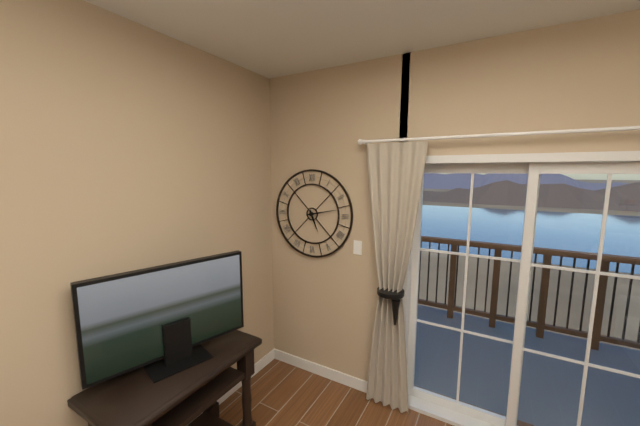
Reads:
5,13
